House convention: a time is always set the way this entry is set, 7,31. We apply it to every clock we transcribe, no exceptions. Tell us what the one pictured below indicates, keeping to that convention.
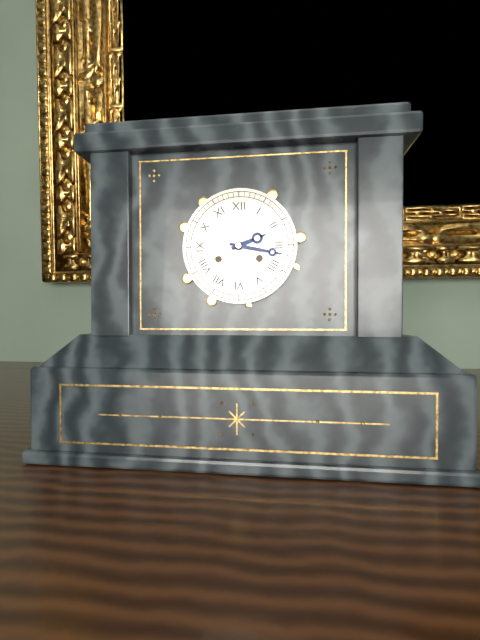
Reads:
2,17
